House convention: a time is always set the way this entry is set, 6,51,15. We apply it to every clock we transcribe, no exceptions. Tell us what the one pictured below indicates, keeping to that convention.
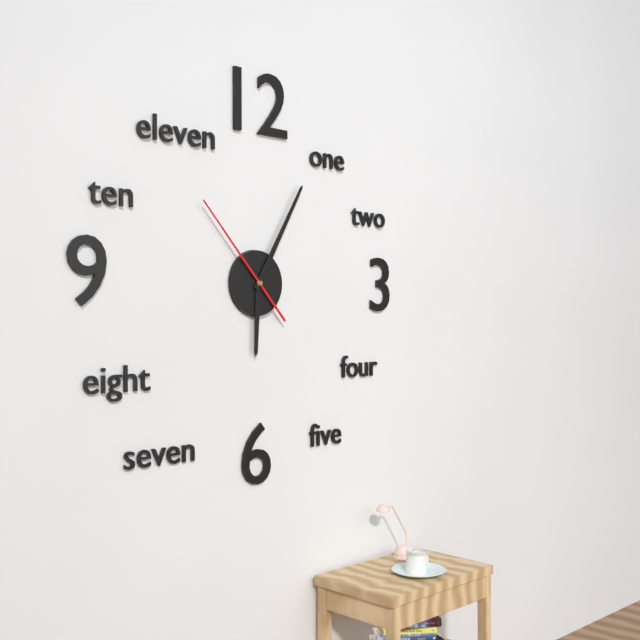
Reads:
6,05,53
